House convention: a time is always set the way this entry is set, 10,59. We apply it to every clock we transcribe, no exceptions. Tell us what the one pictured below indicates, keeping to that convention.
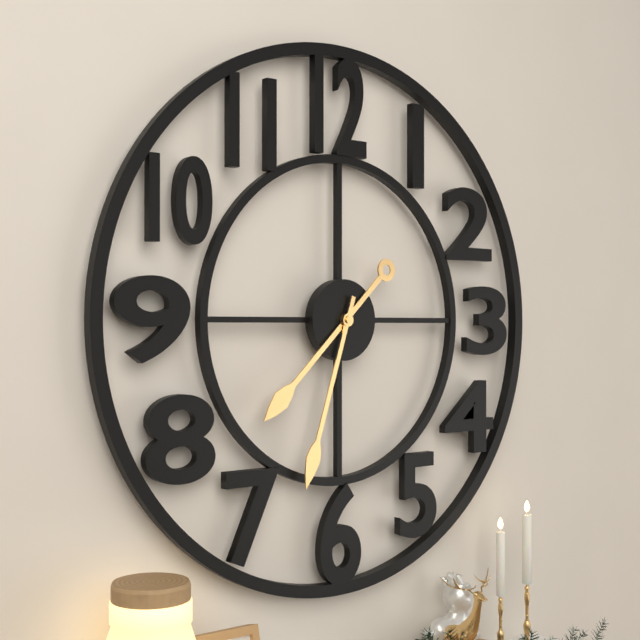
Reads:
7,33
